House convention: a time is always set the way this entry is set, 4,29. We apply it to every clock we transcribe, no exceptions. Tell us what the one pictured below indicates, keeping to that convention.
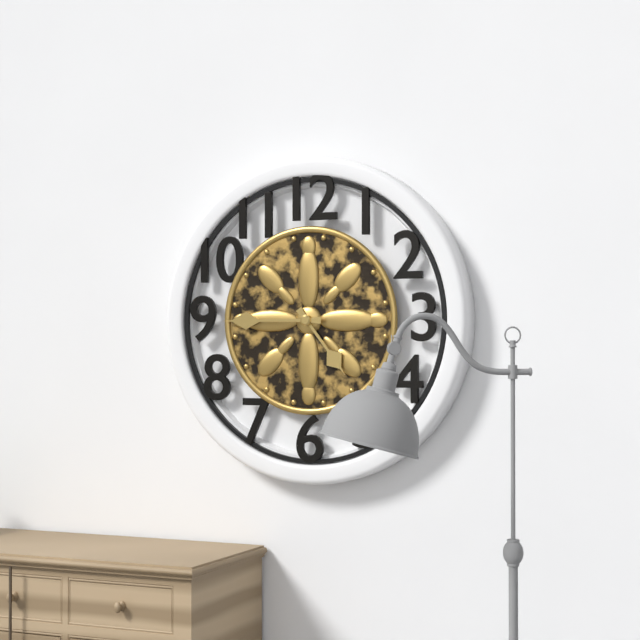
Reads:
4,45
